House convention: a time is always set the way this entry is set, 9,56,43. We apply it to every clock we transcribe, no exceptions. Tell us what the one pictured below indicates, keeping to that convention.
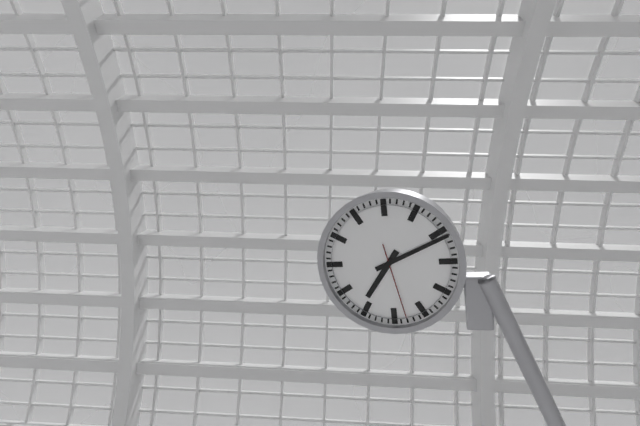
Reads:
7,11,28
